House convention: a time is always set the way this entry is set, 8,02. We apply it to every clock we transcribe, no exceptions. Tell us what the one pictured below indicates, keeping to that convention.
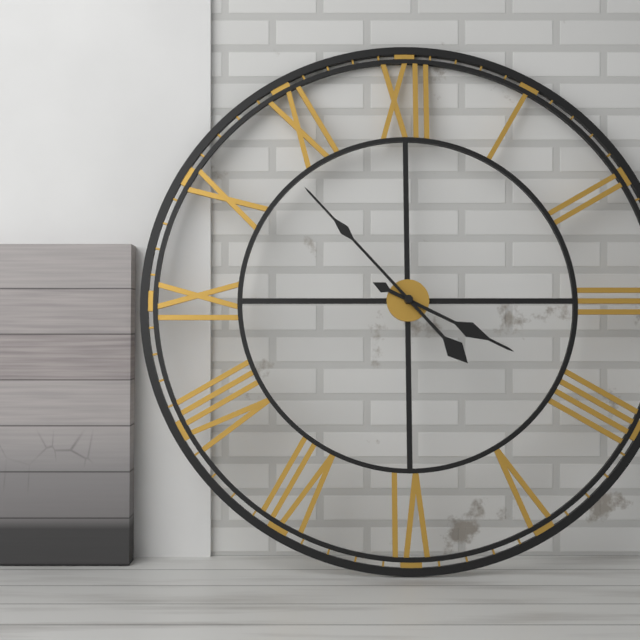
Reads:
3,53
